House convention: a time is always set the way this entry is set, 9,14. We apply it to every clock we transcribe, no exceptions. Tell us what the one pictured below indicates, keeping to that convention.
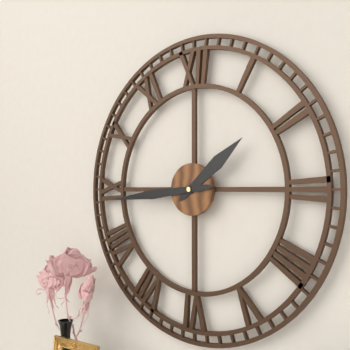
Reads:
1,44
